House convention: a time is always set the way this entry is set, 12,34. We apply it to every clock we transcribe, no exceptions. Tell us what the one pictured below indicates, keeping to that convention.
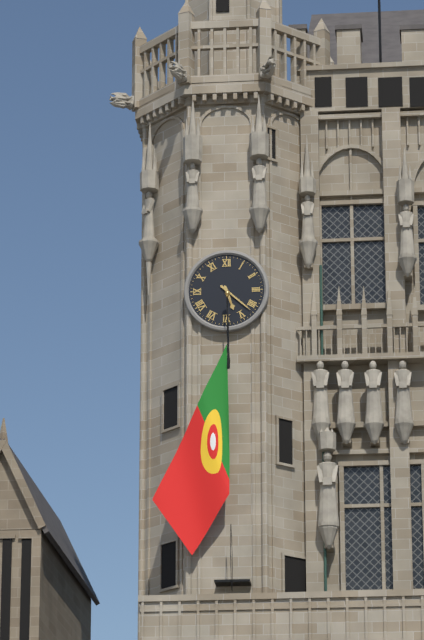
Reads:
5,22
